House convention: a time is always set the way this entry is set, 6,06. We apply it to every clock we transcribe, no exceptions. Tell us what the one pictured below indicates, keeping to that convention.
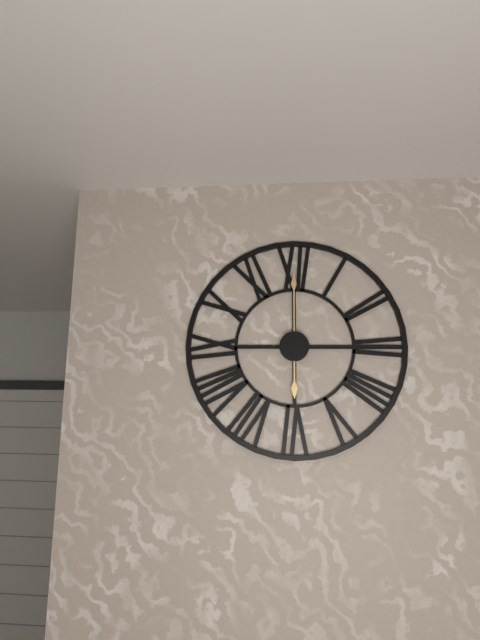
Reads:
6,00
